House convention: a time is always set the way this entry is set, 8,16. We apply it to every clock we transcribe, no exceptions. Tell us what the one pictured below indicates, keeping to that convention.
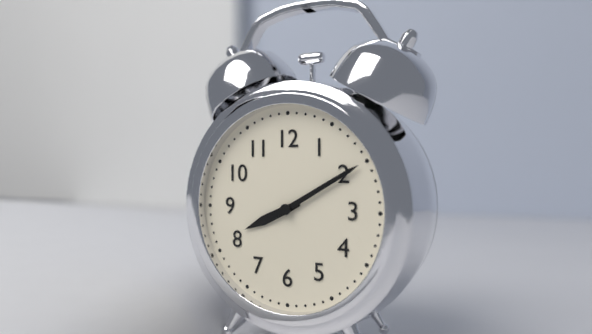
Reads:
8,10
